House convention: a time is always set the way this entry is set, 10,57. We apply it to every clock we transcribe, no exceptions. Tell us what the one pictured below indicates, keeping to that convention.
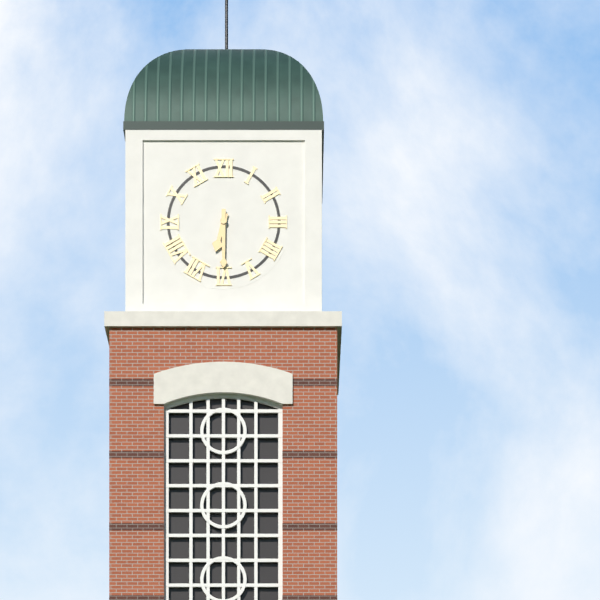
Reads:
6,30
